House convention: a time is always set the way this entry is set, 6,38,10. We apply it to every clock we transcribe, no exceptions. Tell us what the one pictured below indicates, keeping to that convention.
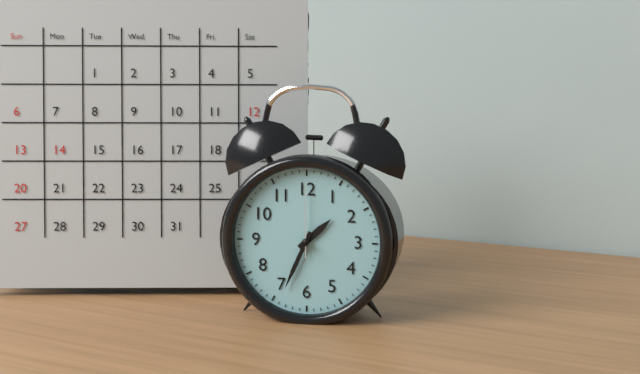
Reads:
1,34,00
